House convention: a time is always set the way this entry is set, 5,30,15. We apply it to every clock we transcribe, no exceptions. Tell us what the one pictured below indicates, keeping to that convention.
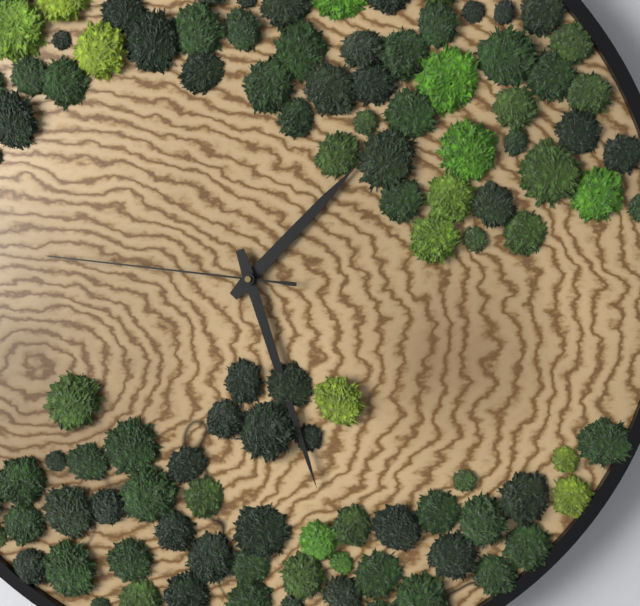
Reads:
1,27,46
